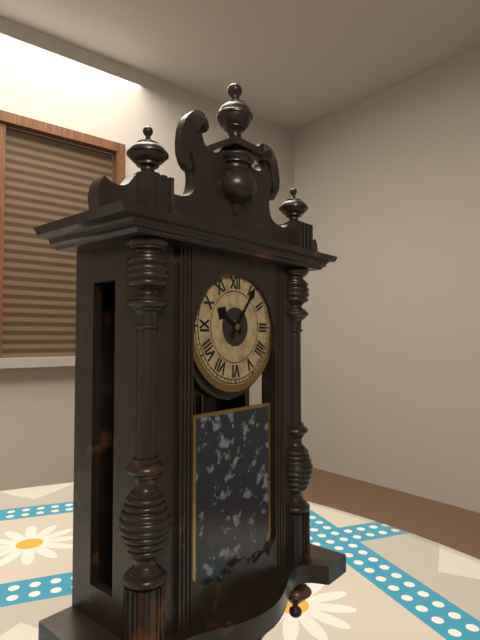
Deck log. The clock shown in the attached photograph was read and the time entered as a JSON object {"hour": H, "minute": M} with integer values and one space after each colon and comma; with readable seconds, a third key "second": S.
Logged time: {"hour": 10, "minute": 6}
